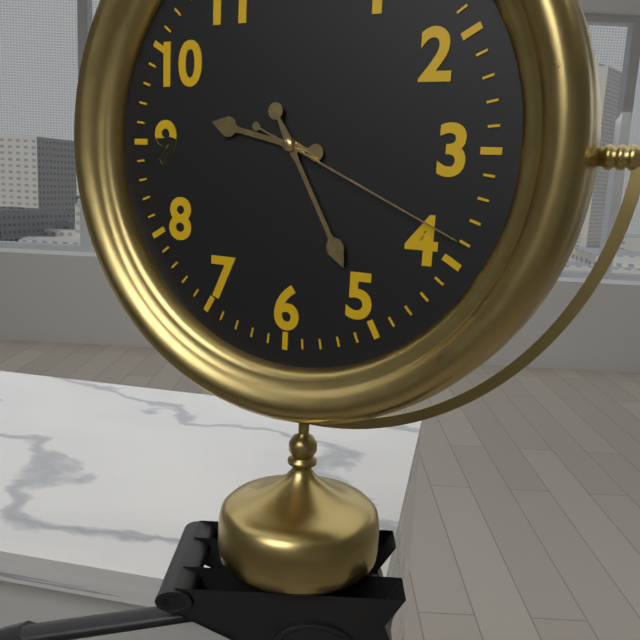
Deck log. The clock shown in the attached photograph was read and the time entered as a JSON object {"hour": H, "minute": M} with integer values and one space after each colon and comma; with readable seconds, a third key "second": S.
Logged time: {"hour": 9, "minute": 25, "second": 19}
